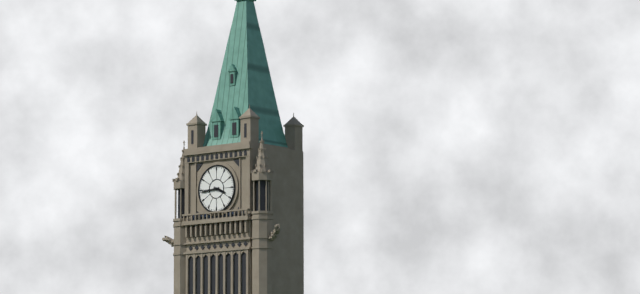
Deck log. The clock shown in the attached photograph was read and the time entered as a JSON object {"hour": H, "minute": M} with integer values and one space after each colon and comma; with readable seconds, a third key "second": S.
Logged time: {"hour": 3, "minute": 44}
